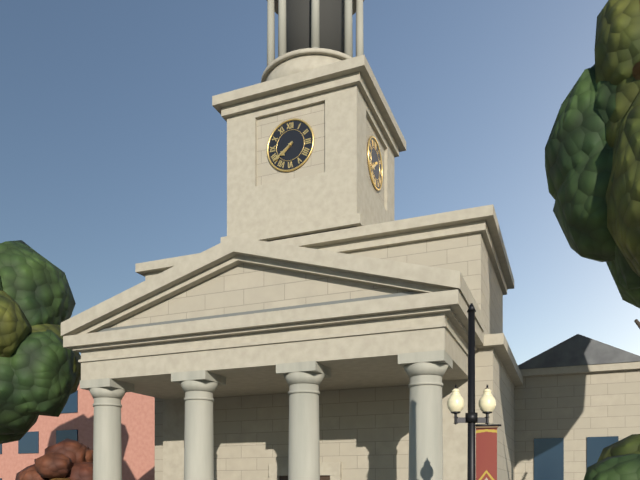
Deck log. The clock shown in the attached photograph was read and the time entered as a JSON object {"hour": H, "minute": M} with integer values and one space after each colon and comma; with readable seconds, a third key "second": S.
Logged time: {"hour": 7, "minute": 39}
